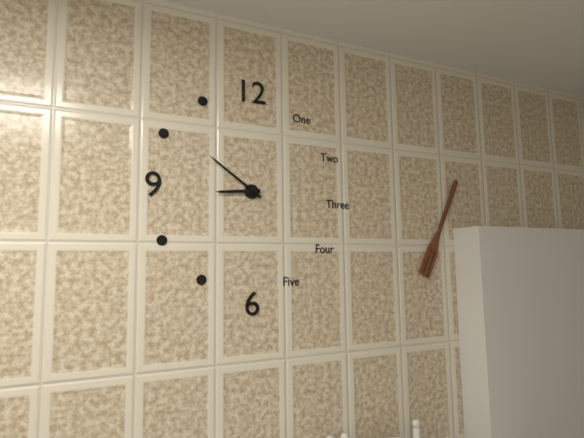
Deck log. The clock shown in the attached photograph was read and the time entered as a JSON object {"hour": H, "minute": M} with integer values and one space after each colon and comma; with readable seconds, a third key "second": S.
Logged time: {"hour": 8, "minute": 51}
